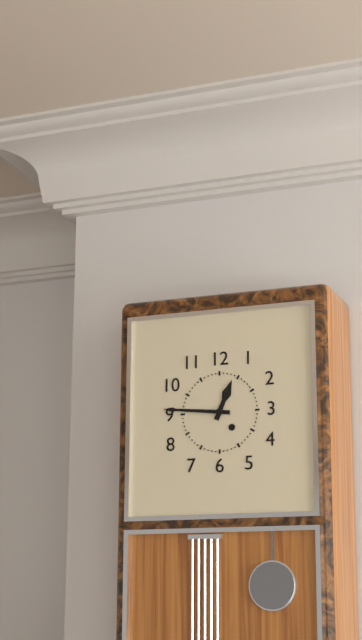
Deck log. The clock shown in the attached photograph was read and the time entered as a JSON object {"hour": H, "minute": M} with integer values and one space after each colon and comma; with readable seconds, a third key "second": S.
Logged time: {"hour": 12, "minute": 46}
